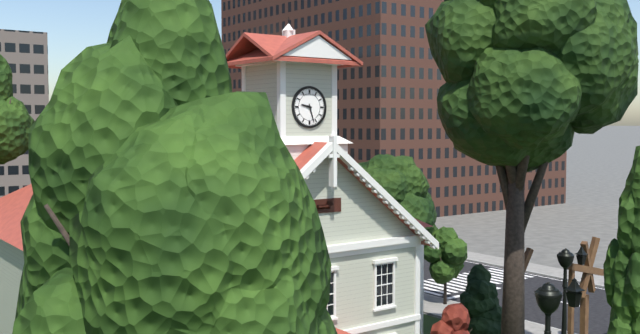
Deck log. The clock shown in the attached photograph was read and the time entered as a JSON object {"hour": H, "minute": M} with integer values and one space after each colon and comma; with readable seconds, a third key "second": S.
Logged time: {"hour": 9, "minute": 27}
